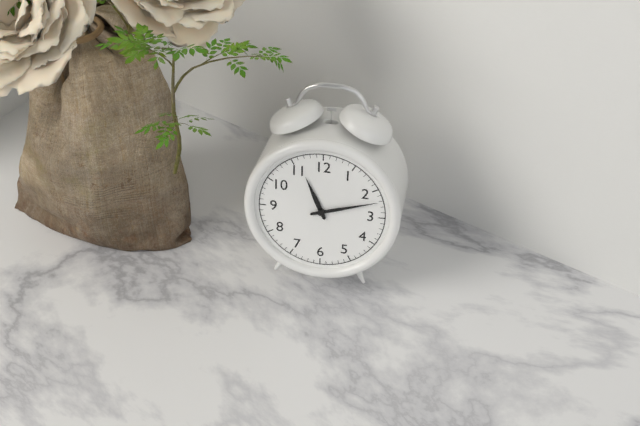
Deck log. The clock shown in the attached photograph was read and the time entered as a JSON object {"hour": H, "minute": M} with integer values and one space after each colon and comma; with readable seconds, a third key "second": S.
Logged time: {"hour": 11, "minute": 12}
